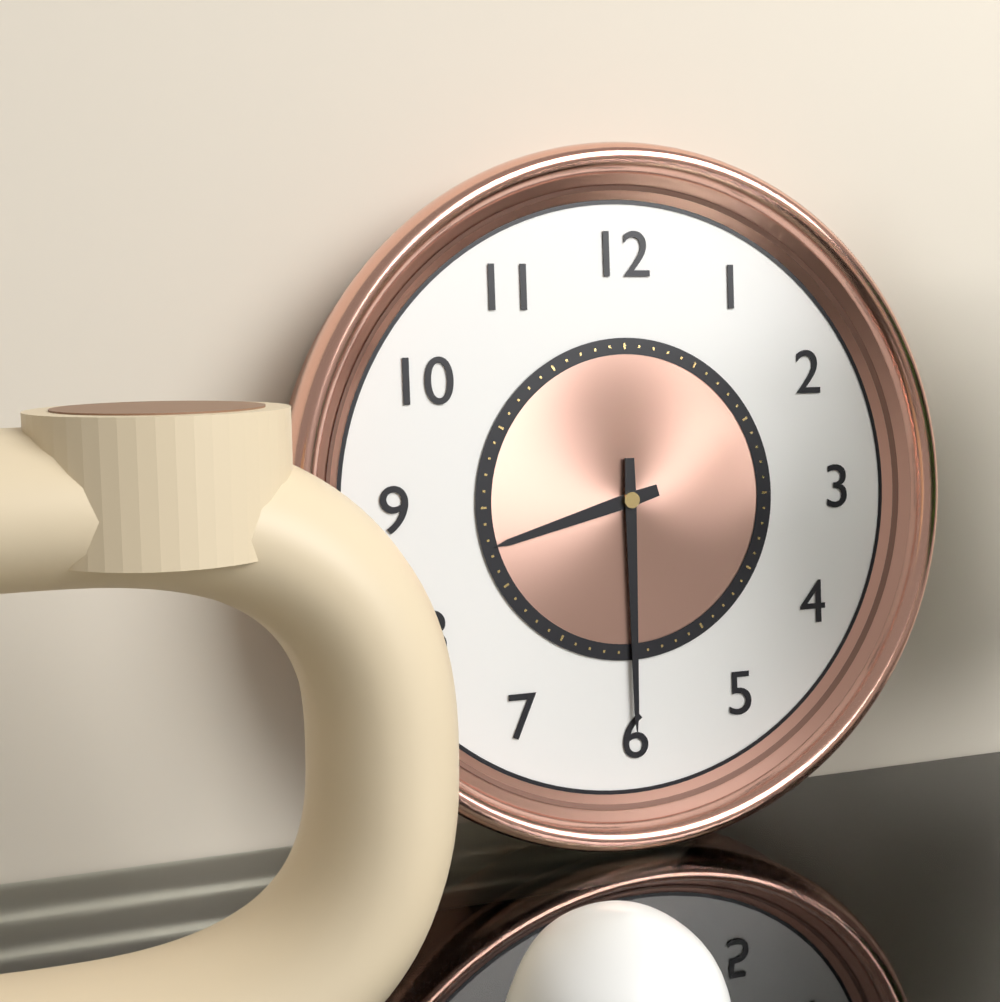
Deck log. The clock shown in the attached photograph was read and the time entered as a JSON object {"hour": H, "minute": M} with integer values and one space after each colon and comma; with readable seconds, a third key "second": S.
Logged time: {"hour": 8, "minute": 30}
